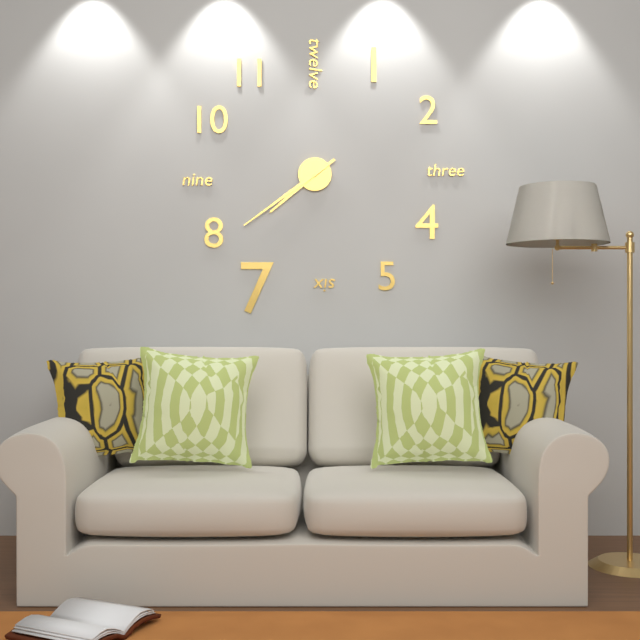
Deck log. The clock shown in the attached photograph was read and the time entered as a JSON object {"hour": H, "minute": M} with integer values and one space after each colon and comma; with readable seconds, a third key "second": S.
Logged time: {"hour": 7, "minute": 39}
